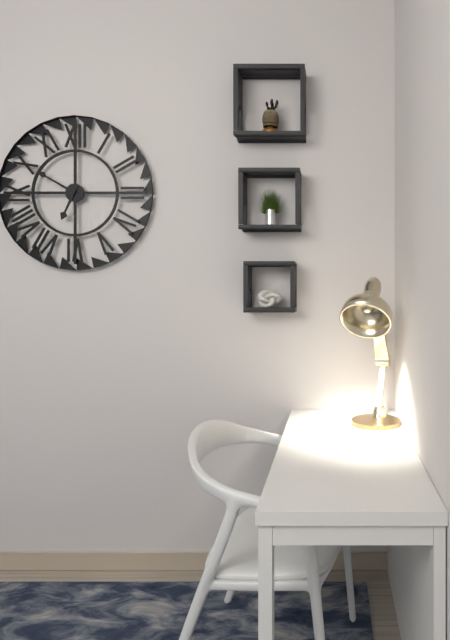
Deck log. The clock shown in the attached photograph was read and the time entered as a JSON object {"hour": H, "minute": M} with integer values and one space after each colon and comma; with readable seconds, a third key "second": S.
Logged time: {"hour": 6, "minute": 50}
